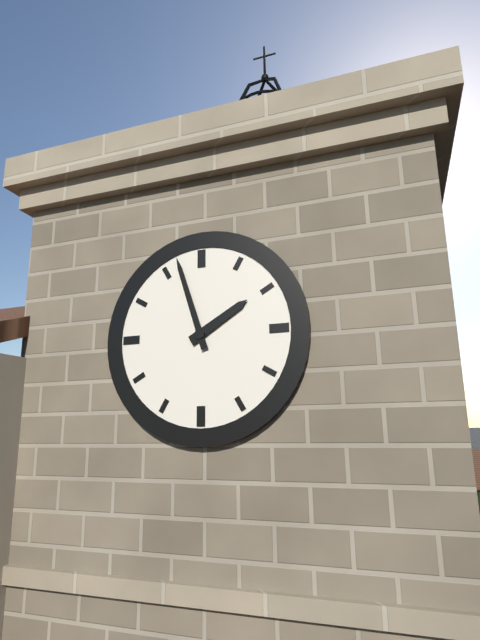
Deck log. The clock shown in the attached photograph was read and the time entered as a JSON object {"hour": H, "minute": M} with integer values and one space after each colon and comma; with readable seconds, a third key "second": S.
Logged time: {"hour": 1, "minute": 57}
